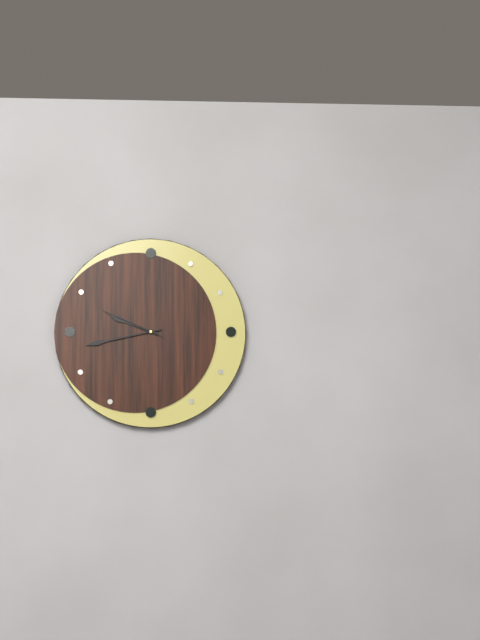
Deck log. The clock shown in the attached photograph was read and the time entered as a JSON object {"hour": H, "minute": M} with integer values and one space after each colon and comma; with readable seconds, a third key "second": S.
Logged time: {"hour": 9, "minute": 43, "second": 49}
